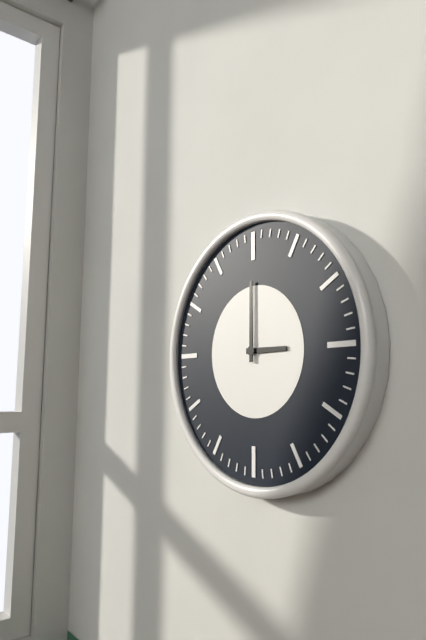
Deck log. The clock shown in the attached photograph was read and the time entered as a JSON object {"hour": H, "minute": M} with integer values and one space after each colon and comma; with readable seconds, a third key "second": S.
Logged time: {"hour": 3, "minute": 0}
